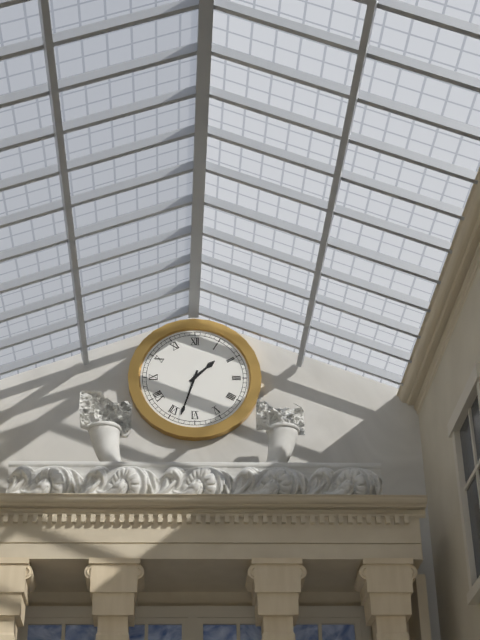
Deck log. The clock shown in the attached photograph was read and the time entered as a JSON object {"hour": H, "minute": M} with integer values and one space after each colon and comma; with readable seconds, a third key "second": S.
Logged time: {"hour": 1, "minute": 33}
